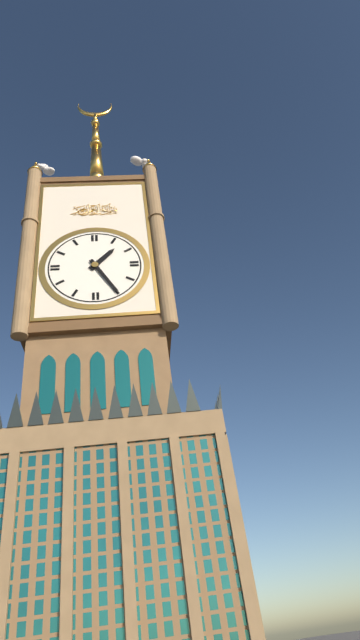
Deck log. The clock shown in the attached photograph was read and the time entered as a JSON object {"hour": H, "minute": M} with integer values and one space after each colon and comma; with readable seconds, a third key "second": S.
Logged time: {"hour": 1, "minute": 25}
